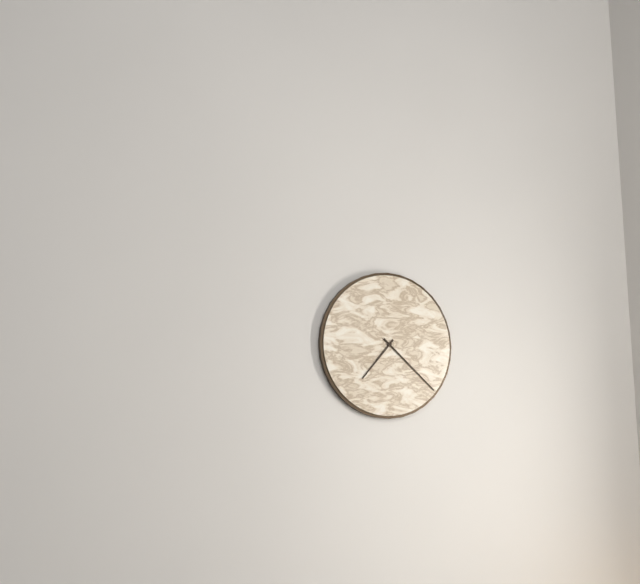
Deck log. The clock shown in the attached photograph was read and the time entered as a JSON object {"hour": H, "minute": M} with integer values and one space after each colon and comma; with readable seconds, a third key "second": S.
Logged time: {"hour": 7, "minute": 22}
